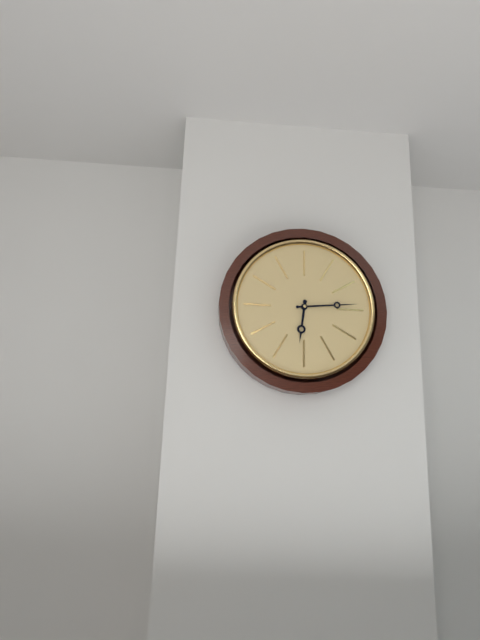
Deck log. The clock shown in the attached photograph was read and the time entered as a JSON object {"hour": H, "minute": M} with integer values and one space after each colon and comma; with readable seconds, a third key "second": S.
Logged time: {"hour": 6, "minute": 14}
